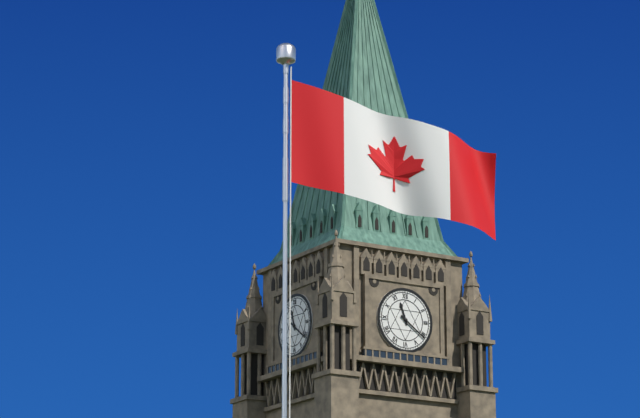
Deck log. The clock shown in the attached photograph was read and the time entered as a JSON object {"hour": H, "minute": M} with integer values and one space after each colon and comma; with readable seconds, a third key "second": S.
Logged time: {"hour": 11, "minute": 21}
